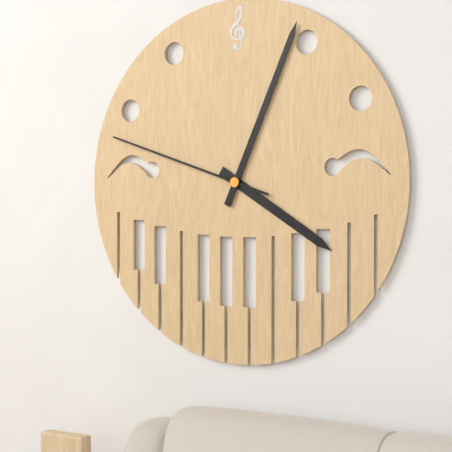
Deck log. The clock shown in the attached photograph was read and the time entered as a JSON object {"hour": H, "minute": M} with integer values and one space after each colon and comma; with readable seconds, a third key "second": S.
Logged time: {"hour": 4, "minute": 4, "second": 48}
